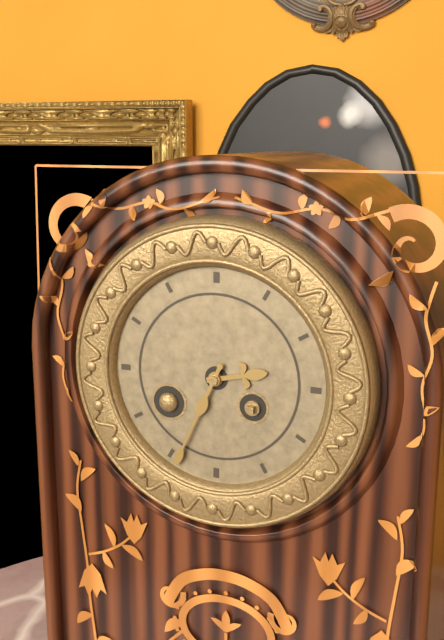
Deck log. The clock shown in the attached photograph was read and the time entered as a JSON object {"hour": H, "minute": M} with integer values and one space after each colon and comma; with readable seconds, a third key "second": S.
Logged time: {"hour": 2, "minute": 34}
